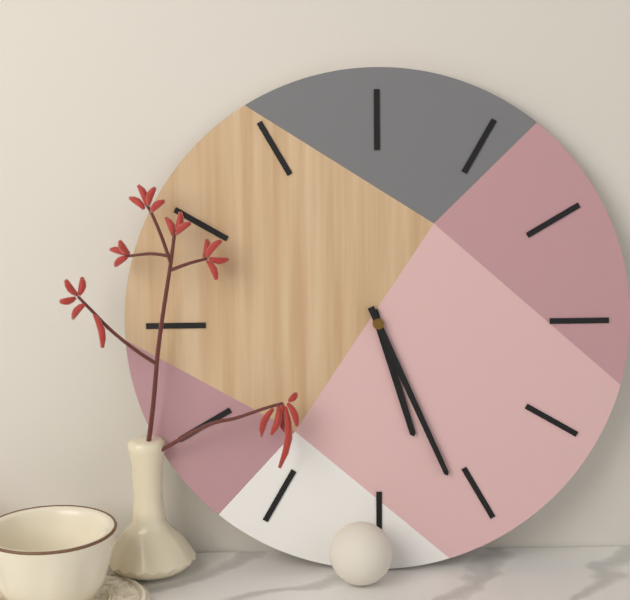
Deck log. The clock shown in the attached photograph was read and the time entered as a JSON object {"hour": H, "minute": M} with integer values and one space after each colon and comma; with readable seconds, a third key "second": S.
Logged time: {"hour": 5, "minute": 26}
